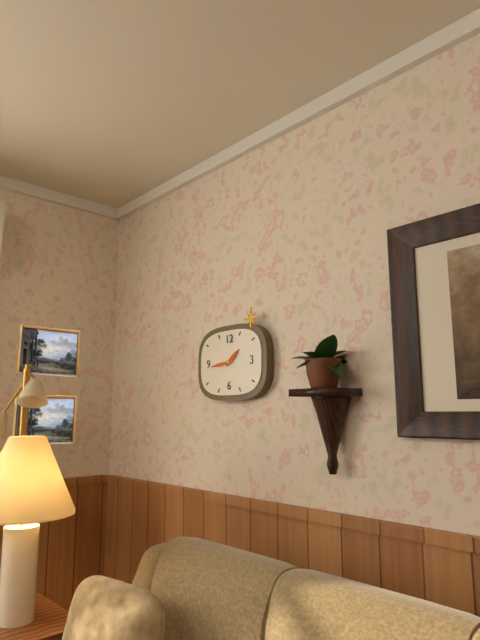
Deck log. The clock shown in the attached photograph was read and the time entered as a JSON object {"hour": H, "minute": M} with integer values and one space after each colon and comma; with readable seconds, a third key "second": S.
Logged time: {"hour": 1, "minute": 44}
